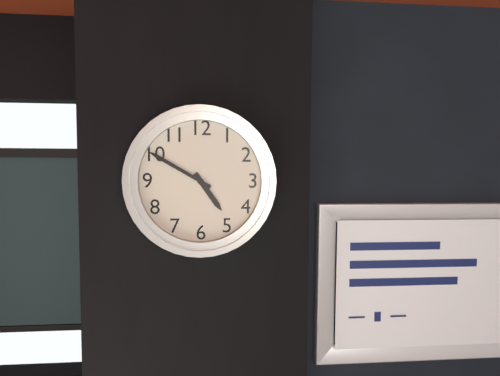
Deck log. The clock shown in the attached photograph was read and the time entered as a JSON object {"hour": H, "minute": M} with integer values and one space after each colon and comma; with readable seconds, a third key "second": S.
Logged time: {"hour": 4, "minute": 50}
